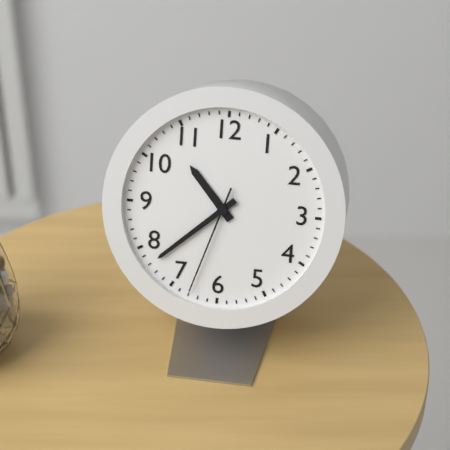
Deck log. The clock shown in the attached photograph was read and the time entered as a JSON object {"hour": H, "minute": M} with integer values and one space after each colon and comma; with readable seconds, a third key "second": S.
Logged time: {"hour": 10, "minute": 38, "second": 33}
